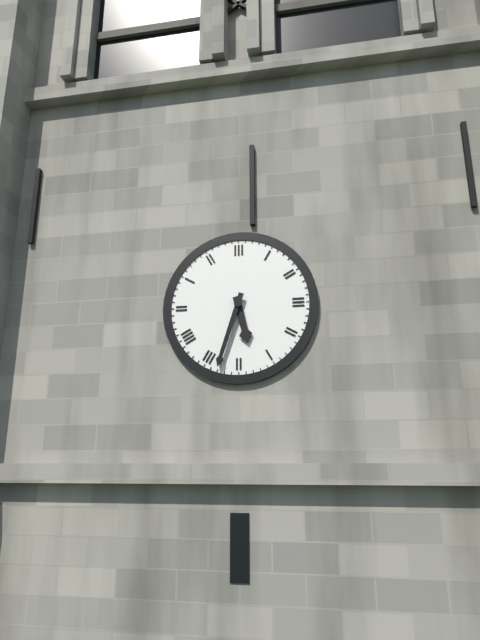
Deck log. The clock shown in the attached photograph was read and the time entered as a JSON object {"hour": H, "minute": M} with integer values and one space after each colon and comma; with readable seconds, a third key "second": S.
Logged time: {"hour": 5, "minute": 33}
